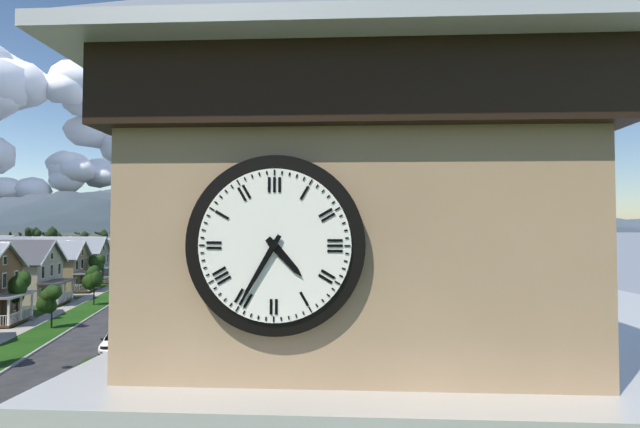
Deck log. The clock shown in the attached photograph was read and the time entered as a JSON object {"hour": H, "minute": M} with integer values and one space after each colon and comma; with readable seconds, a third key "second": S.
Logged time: {"hour": 4, "minute": 35}
